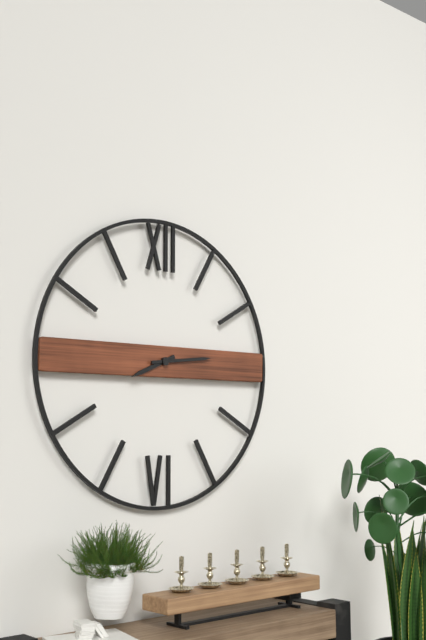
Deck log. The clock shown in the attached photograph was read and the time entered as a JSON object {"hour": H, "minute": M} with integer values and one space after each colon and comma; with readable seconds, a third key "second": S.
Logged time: {"hour": 8, "minute": 14}
